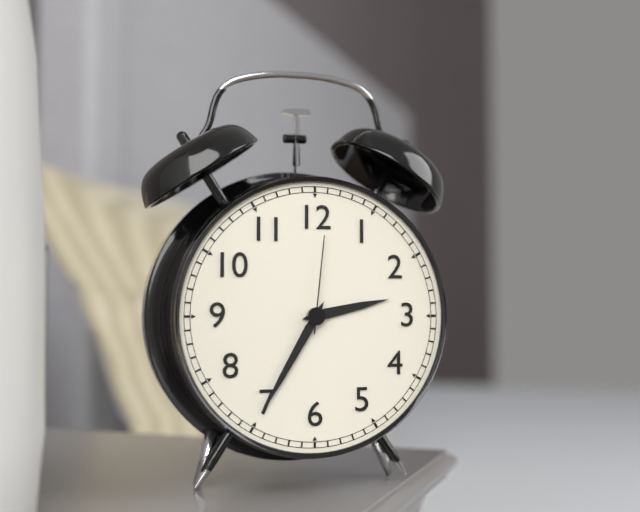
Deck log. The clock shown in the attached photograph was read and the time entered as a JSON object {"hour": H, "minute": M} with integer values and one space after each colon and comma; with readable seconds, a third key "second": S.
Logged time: {"hour": 2, "minute": 35, "second": 1}
